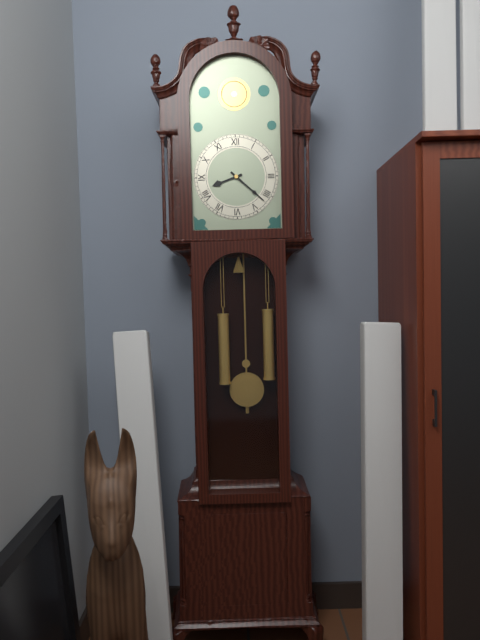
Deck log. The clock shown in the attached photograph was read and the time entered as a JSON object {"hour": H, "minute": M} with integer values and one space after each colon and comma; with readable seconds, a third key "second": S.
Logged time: {"hour": 8, "minute": 22}
